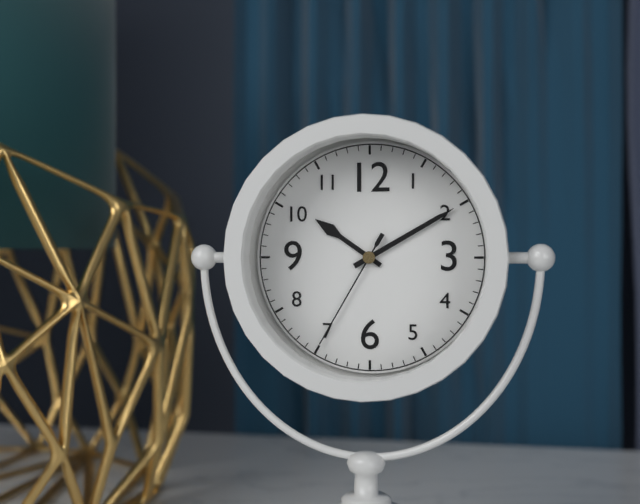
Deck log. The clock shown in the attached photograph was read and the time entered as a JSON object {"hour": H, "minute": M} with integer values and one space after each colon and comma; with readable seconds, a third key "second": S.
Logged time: {"hour": 10, "minute": 10, "second": 35}
